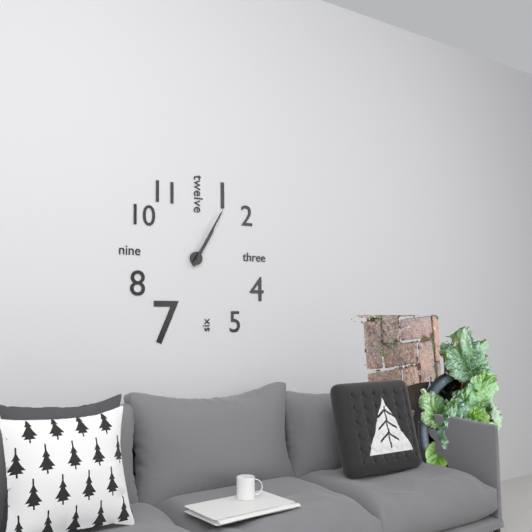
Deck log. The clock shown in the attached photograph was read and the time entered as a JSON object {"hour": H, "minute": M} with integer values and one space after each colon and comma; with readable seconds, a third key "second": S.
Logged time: {"hour": 1, "minute": 5}
